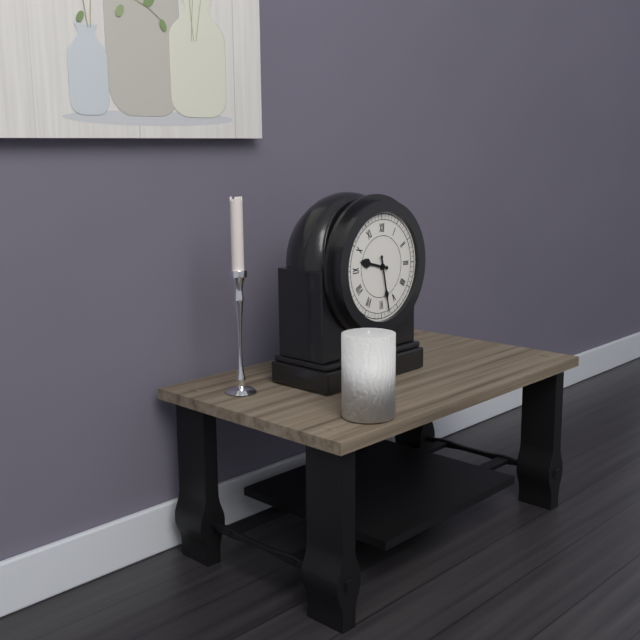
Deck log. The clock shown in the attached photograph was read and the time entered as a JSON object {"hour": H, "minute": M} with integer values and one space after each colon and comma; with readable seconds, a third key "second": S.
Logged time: {"hour": 9, "minute": 28}
